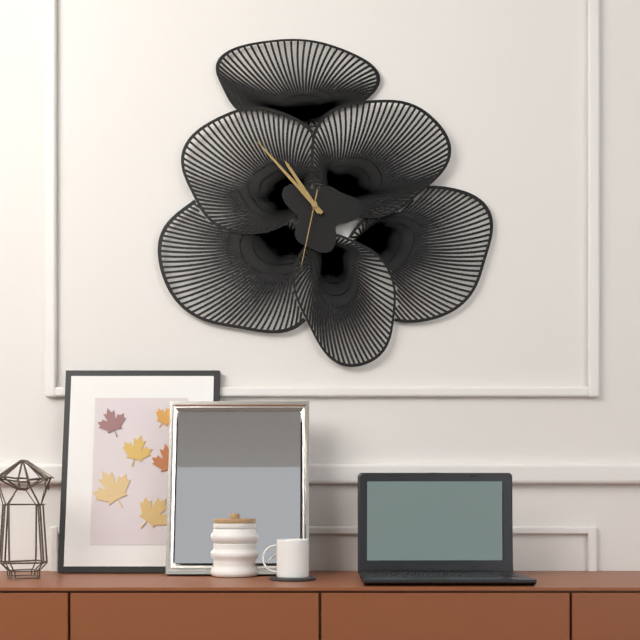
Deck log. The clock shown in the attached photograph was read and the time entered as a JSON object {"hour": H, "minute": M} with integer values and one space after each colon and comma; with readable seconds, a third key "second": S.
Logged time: {"hour": 10, "minute": 53, "second": 32}
